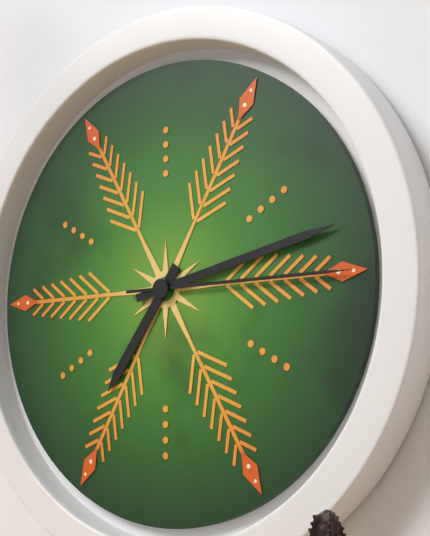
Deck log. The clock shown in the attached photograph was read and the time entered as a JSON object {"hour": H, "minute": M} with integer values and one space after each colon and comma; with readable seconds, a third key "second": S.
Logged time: {"hour": 7, "minute": 13, "second": 15}
